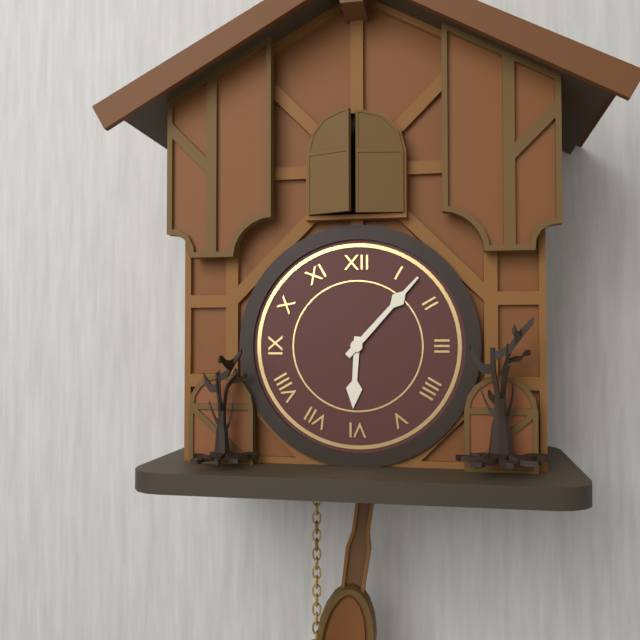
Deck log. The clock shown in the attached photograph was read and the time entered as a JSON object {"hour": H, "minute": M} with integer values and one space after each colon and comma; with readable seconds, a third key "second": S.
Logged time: {"hour": 6, "minute": 7}
